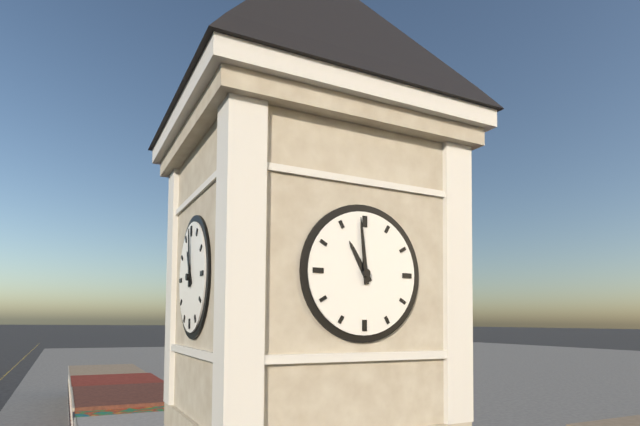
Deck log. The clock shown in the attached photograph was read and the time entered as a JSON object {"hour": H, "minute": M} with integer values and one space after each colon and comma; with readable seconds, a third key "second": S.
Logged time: {"hour": 10, "minute": 59}
